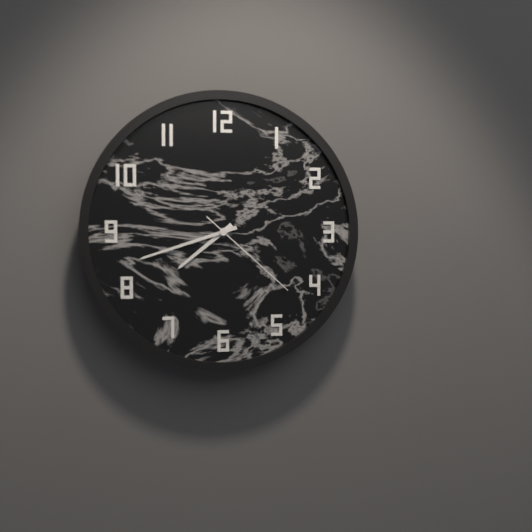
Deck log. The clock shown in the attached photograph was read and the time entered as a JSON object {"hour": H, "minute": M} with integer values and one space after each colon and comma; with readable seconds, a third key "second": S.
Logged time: {"hour": 7, "minute": 42, "second": 22}
